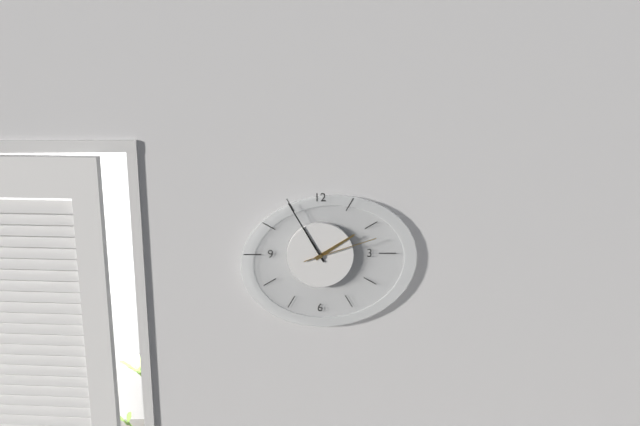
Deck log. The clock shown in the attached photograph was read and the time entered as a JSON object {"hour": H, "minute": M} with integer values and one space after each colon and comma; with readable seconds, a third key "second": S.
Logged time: {"hour": 1, "minute": 55, "second": 12}
